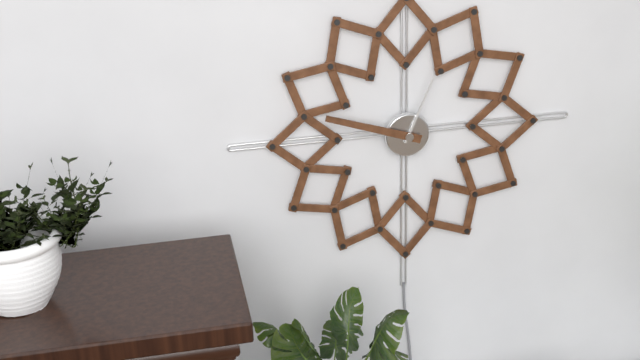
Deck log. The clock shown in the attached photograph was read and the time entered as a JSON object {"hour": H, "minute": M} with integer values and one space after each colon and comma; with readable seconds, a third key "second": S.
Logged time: {"hour": 12, "minute": 48}
